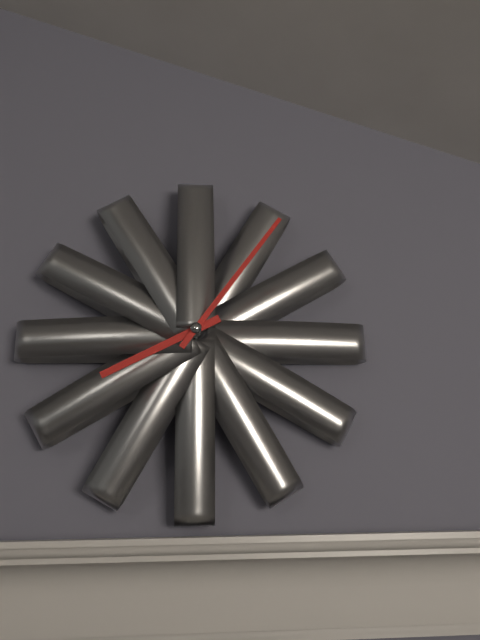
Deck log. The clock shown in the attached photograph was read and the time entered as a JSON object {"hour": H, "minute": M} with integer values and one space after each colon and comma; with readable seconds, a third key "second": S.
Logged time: {"hour": 8, "minute": 6}
